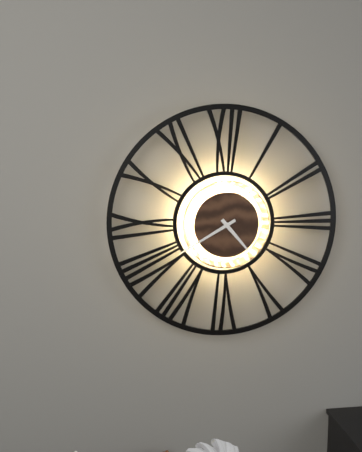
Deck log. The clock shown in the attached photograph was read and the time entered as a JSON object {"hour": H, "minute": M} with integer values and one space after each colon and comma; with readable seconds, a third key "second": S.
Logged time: {"hour": 4, "minute": 40}
